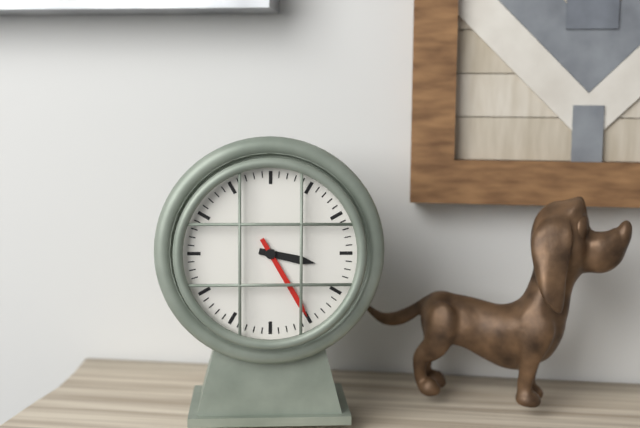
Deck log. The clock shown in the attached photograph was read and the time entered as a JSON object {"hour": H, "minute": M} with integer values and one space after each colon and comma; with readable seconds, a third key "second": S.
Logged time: {"hour": 3, "minute": 25}
